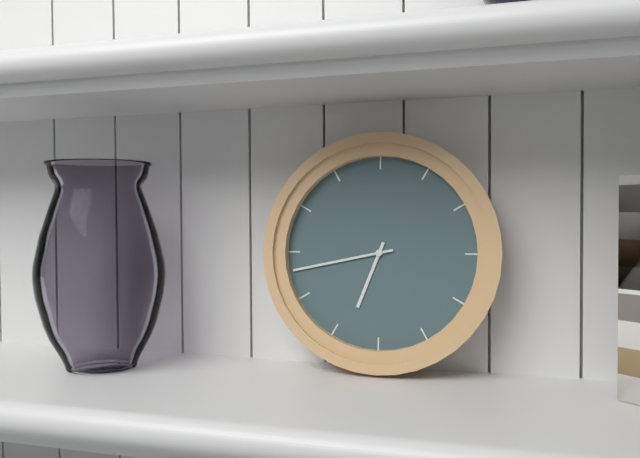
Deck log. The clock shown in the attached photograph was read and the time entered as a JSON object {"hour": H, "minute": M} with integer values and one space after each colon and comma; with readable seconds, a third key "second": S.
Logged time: {"hour": 6, "minute": 43}
